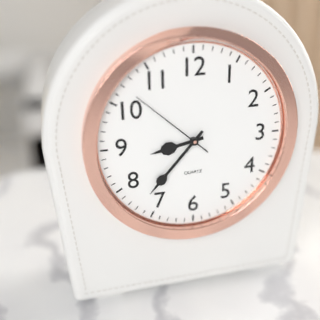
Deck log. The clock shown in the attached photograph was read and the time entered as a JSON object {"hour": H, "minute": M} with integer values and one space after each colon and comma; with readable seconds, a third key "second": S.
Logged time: {"hour": 8, "minute": 37, "second": 52}
